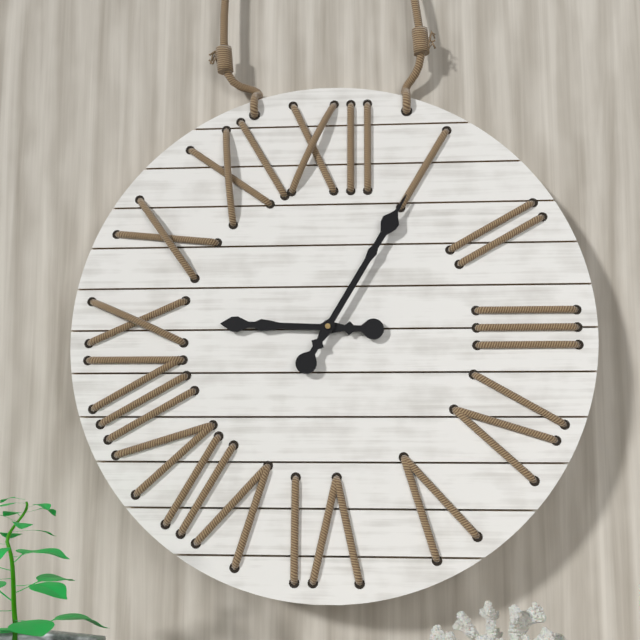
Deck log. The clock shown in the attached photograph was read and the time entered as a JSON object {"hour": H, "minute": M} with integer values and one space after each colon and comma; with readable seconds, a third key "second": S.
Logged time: {"hour": 9, "minute": 5}
